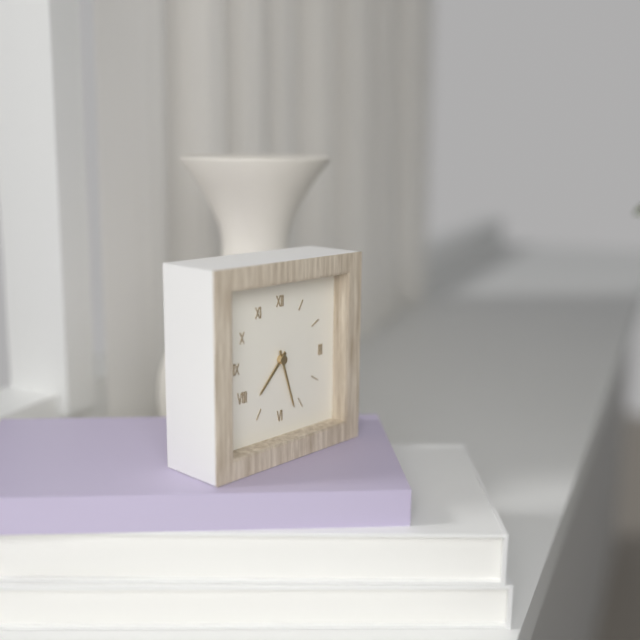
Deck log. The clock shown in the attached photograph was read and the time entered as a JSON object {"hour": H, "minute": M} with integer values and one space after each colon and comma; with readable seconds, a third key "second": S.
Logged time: {"hour": 7, "minute": 27}
